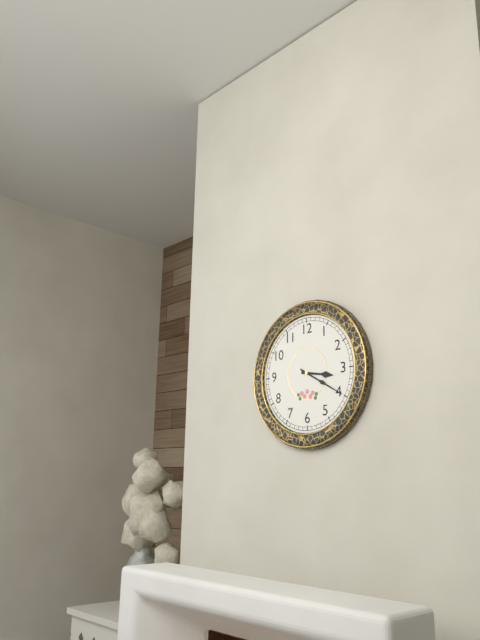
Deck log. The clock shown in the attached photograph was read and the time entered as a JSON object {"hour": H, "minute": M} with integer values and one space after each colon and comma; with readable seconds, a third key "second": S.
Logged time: {"hour": 3, "minute": 20}
